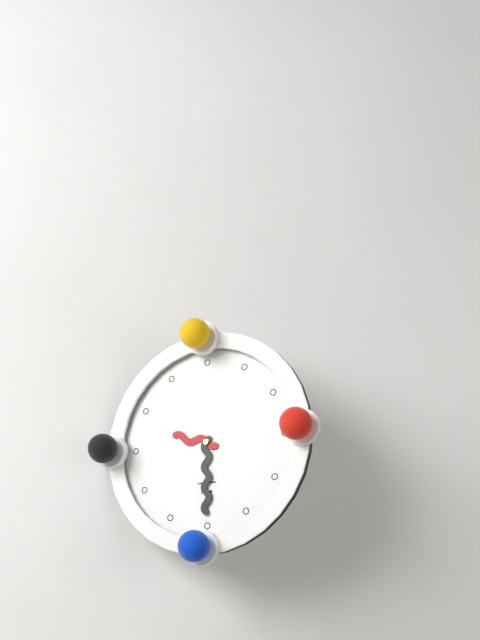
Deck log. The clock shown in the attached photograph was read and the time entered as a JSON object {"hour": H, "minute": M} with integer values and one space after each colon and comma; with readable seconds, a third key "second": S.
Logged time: {"hour": 9, "minute": 30}
